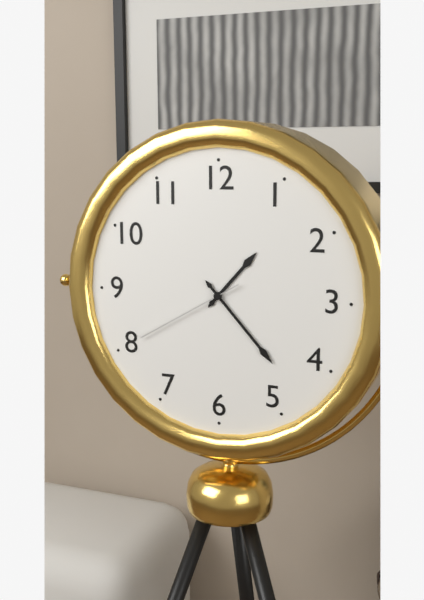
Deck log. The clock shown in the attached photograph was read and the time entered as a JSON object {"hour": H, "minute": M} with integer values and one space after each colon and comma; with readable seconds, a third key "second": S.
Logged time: {"hour": 1, "minute": 23, "second": 40}
